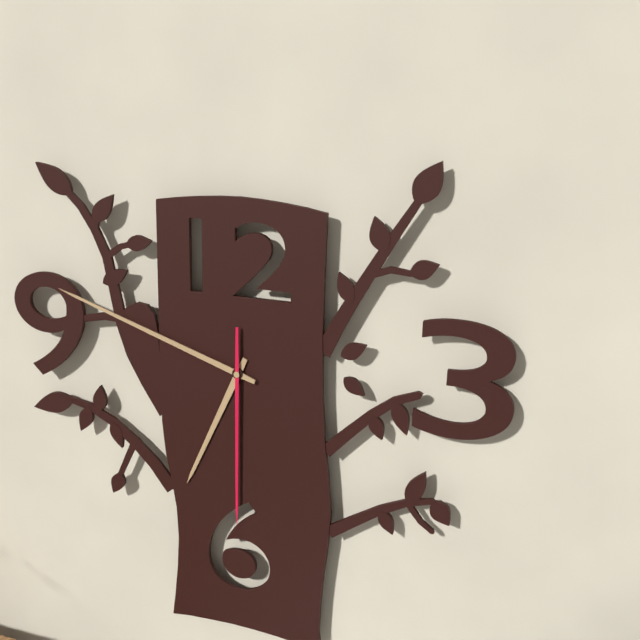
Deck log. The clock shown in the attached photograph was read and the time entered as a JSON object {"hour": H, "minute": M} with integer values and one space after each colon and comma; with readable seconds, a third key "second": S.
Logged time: {"hour": 6, "minute": 48, "second": 30}
